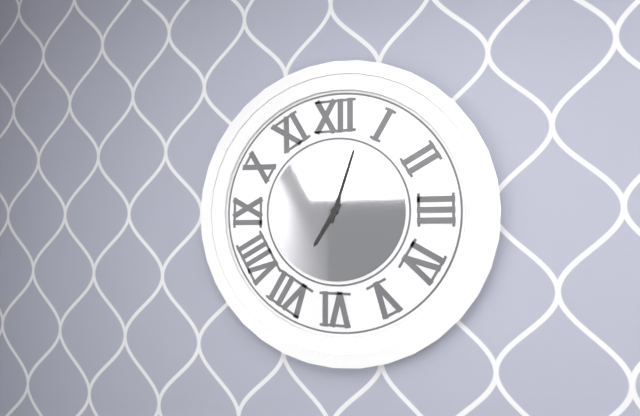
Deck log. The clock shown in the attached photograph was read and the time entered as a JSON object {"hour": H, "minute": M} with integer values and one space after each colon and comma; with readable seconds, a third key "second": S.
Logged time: {"hour": 7, "minute": 3}
